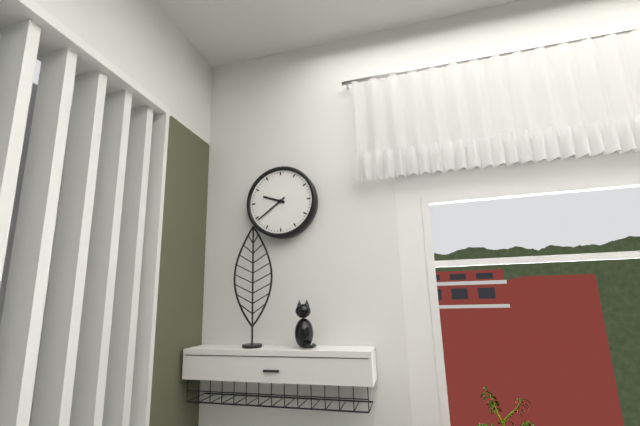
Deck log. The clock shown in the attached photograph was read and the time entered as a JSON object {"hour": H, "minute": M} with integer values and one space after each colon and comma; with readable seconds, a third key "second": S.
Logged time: {"hour": 9, "minute": 39}
